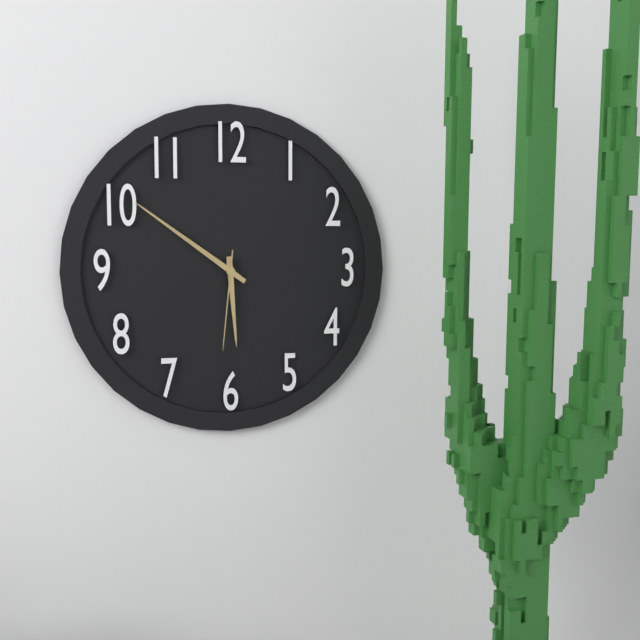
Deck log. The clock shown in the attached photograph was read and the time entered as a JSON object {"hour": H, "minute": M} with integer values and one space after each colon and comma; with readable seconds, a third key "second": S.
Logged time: {"hour": 5, "minute": 51, "second": 31}
